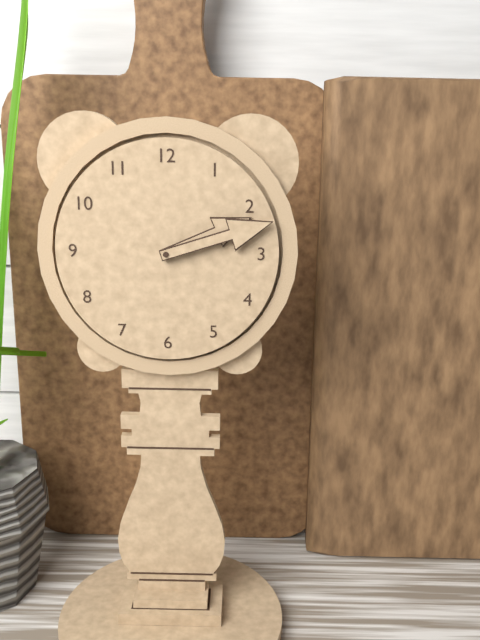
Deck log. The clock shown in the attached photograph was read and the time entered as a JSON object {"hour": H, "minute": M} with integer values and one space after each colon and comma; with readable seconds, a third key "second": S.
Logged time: {"hour": 2, "minute": 12}
